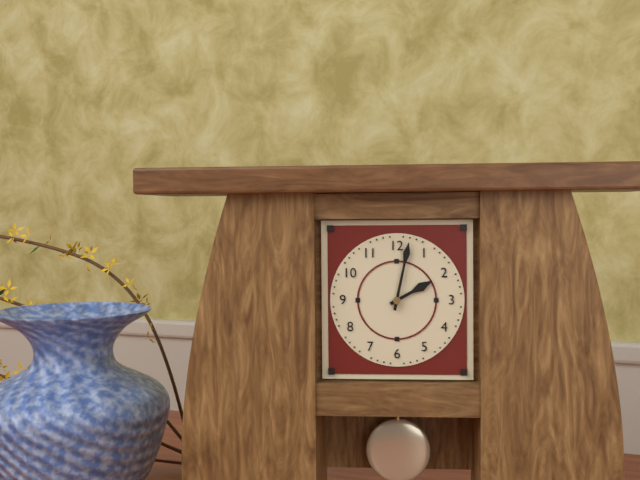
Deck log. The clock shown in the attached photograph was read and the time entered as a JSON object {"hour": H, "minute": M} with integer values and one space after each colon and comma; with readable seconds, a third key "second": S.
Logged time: {"hour": 2, "minute": 2}
